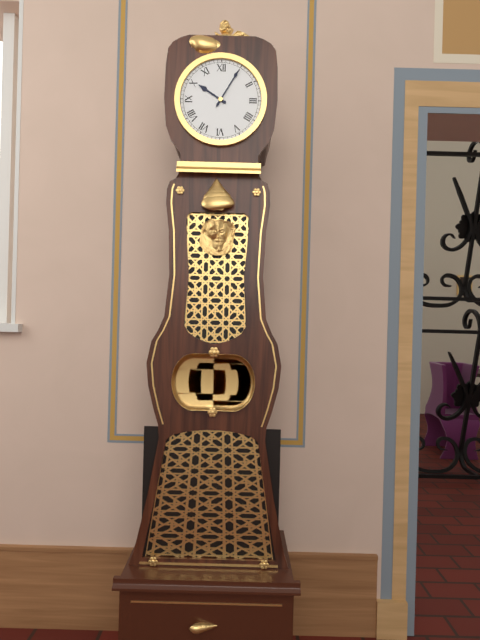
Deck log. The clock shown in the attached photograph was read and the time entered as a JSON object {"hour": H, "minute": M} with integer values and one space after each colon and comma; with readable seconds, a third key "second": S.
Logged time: {"hour": 10, "minute": 5}
